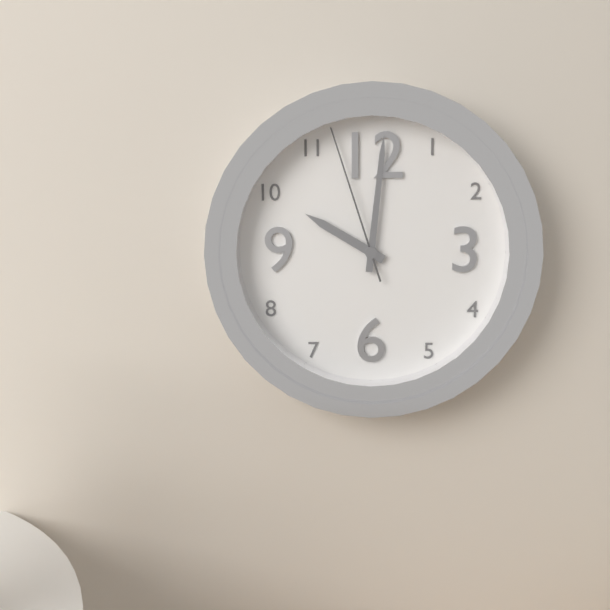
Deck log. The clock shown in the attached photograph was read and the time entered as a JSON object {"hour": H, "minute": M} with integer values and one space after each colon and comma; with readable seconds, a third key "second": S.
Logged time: {"hour": 10, "minute": 1, "second": 57}
